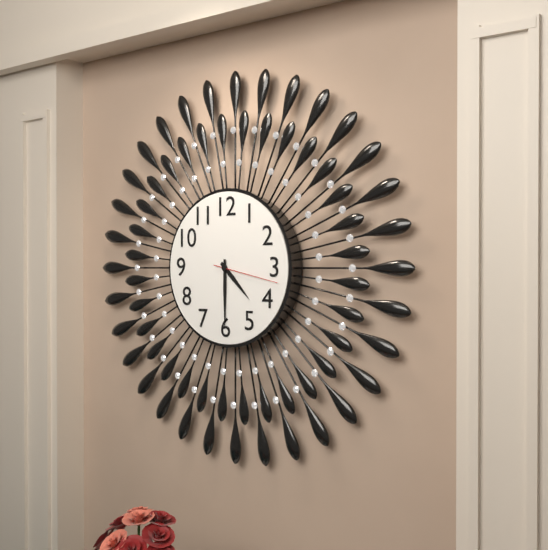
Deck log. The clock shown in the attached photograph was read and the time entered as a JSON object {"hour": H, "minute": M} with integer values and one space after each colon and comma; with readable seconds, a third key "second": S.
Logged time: {"hour": 4, "minute": 30, "second": 17}
